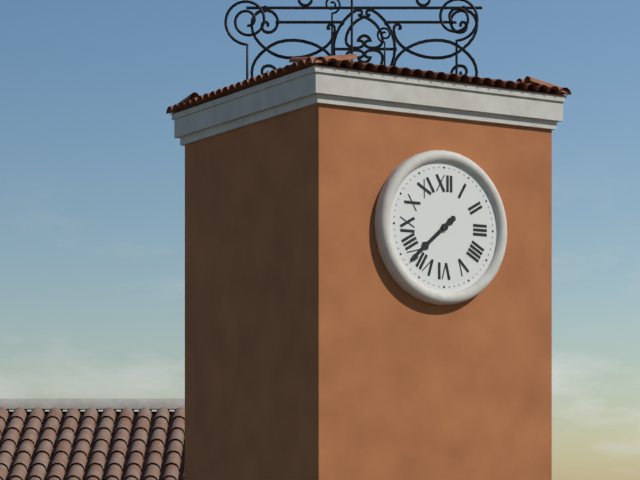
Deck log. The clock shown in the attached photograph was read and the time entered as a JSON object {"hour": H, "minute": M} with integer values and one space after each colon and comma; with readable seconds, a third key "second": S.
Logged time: {"hour": 7, "minute": 38}
